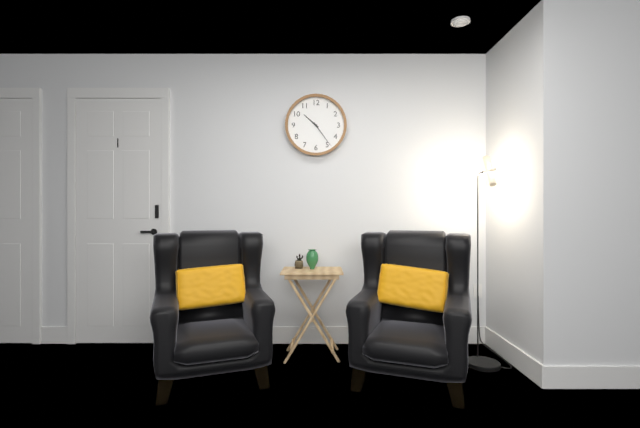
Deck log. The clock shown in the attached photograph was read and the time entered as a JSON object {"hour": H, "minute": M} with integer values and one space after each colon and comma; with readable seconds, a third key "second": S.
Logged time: {"hour": 10, "minute": 24}
